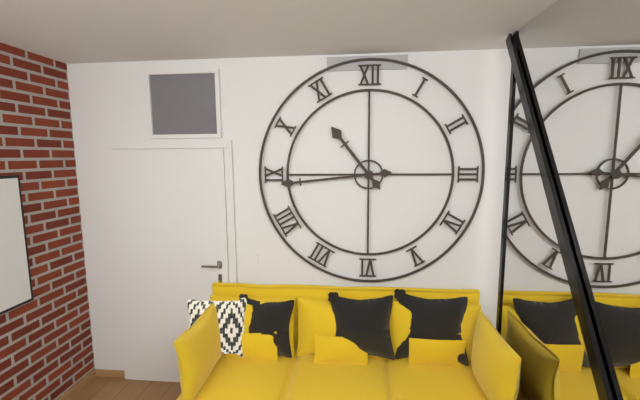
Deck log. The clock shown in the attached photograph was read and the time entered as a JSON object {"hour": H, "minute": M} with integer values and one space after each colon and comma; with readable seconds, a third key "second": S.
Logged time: {"hour": 10, "minute": 44}
